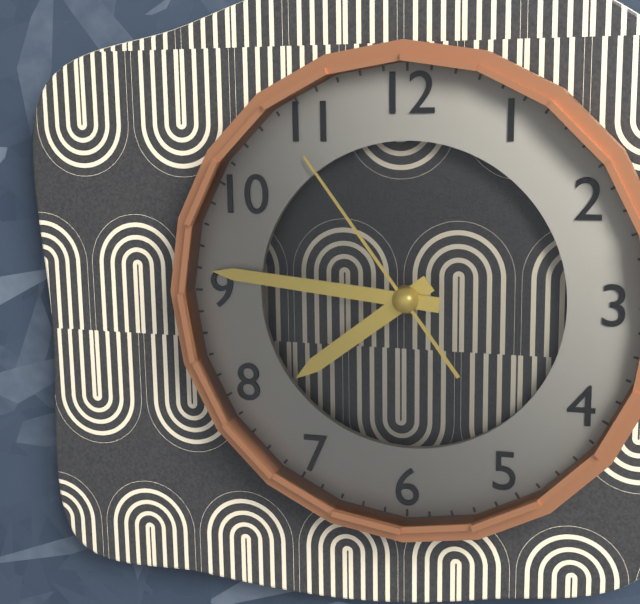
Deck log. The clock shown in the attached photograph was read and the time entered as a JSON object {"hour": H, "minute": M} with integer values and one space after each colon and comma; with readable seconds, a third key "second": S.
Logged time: {"hour": 7, "minute": 46, "second": 54}
